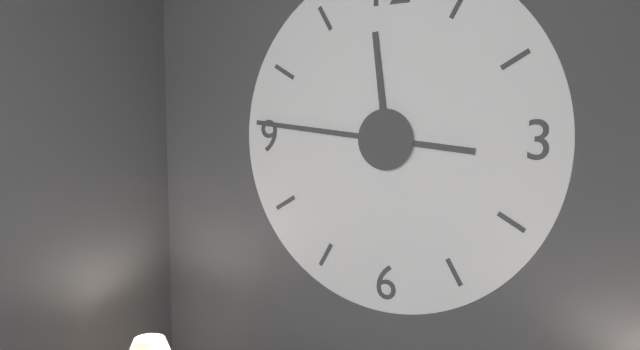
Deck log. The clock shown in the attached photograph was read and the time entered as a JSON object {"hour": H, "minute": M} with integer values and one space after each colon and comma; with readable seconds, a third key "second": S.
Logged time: {"hour": 11, "minute": 46}
